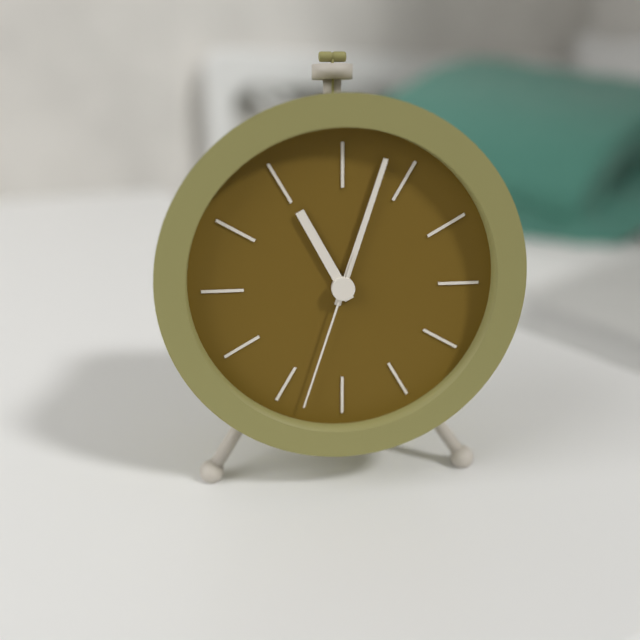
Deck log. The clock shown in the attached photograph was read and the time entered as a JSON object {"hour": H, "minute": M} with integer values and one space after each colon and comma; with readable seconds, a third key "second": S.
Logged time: {"hour": 11, "minute": 3, "second": 33}
